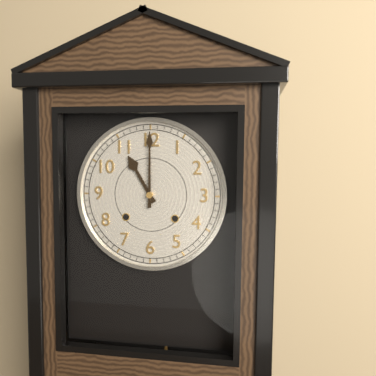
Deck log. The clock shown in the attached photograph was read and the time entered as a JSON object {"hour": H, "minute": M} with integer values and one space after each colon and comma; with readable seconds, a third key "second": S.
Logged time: {"hour": 11, "minute": 0}
